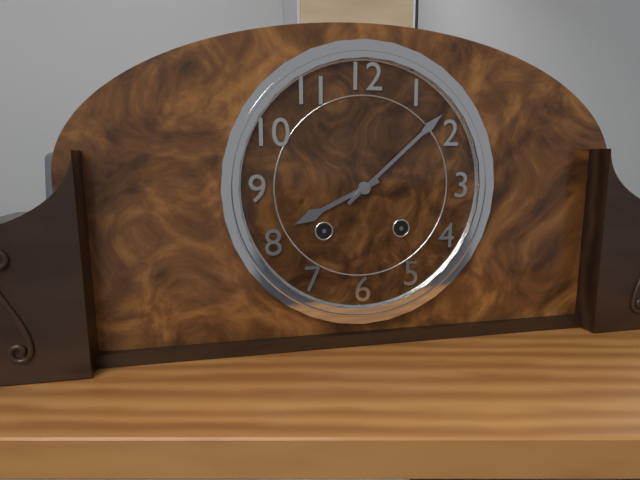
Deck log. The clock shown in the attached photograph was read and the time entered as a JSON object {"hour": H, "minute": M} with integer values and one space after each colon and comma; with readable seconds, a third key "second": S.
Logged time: {"hour": 8, "minute": 8}
